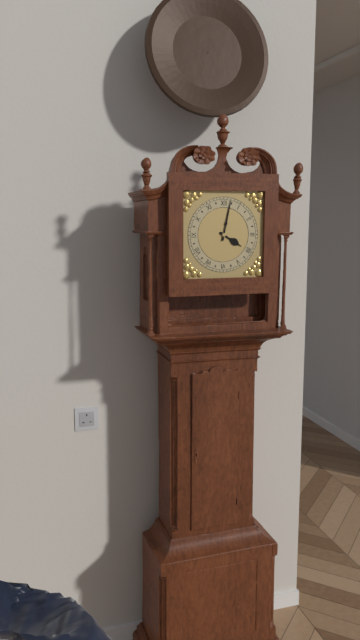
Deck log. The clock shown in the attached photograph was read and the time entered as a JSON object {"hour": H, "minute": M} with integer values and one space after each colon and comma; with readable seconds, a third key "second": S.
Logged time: {"hour": 4, "minute": 2}
